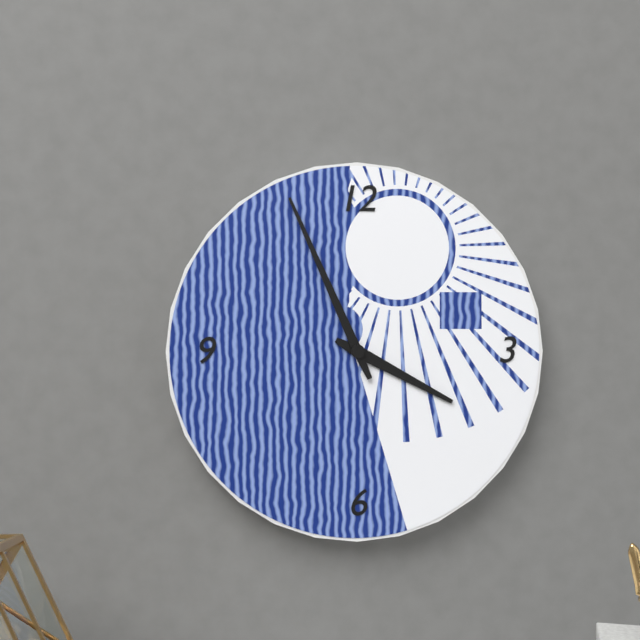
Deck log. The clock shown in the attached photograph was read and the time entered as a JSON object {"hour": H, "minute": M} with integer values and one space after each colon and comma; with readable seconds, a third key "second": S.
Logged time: {"hour": 3, "minute": 56}
